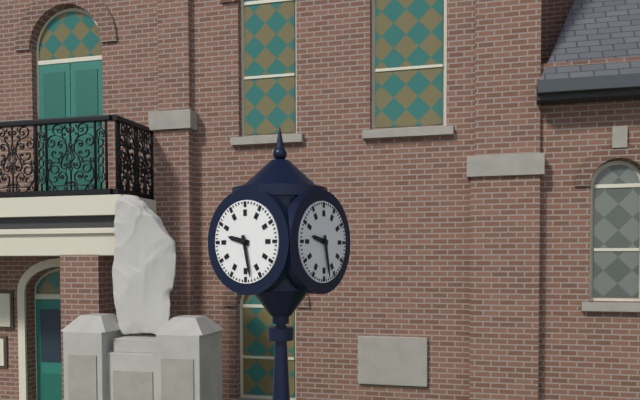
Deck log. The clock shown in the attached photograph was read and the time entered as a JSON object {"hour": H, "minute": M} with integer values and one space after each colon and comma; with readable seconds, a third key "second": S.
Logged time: {"hour": 9, "minute": 28}
